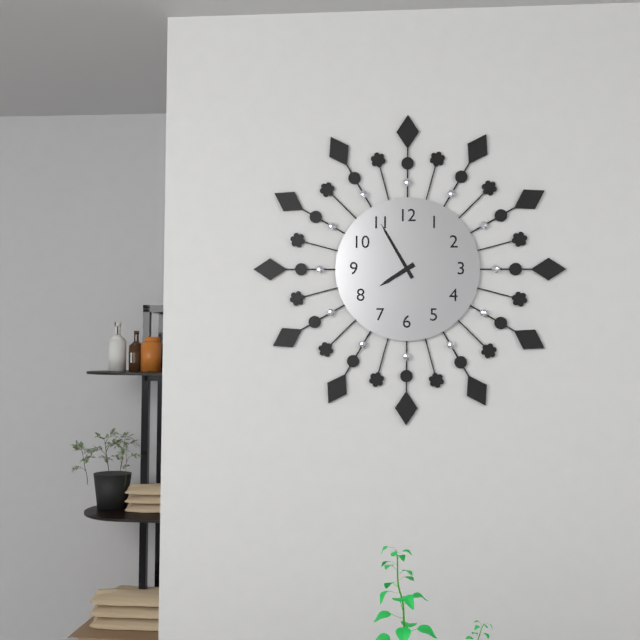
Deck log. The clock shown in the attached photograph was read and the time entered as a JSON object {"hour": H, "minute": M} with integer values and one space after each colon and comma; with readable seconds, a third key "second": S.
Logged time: {"hour": 7, "minute": 55}
